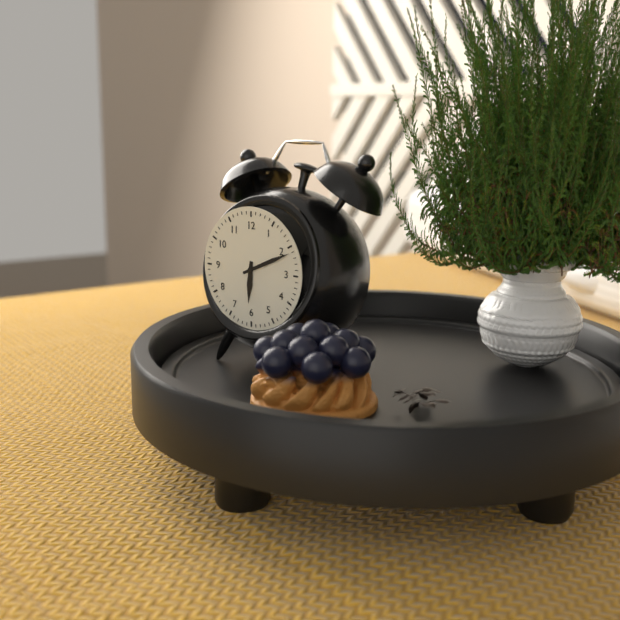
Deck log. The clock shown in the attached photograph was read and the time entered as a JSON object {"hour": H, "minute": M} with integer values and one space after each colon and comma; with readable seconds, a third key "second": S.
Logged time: {"hour": 6, "minute": 11}
